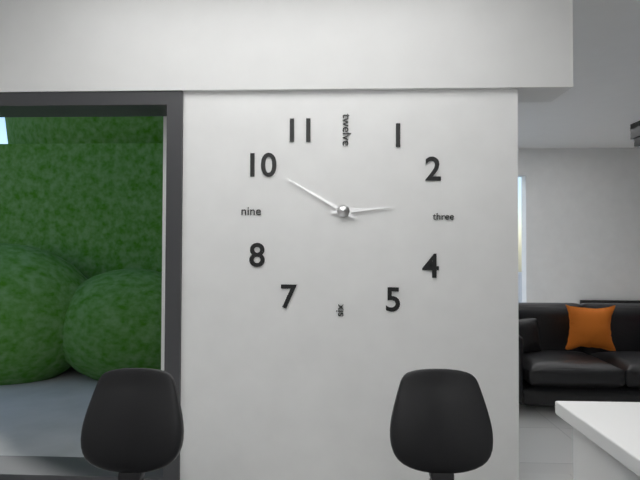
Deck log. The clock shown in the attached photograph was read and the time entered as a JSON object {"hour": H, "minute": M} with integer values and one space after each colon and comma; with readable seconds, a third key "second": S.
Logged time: {"hour": 2, "minute": 50}
